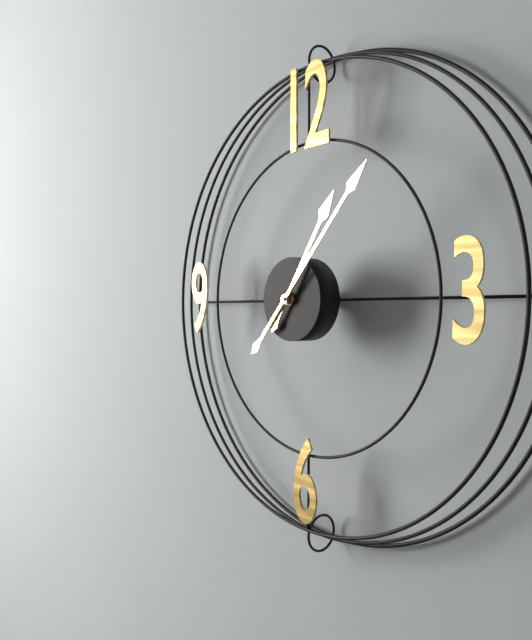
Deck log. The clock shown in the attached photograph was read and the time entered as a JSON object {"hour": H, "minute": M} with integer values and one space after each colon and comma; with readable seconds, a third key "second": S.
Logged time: {"hour": 1, "minute": 7}
